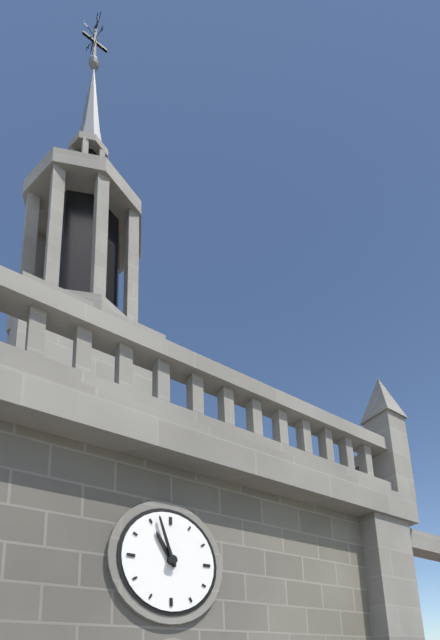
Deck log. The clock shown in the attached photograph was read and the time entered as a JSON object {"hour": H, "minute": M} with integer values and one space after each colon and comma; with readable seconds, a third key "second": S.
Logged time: {"hour": 10, "minute": 57}
